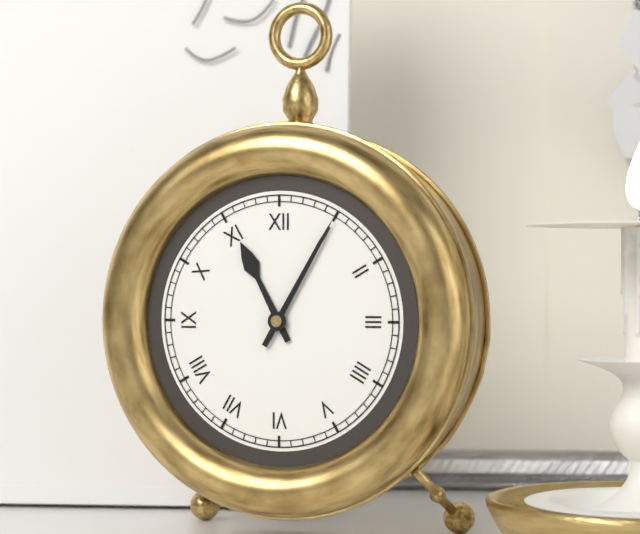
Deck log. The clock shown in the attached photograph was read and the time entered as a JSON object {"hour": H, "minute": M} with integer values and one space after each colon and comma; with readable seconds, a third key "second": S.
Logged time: {"hour": 11, "minute": 5}
